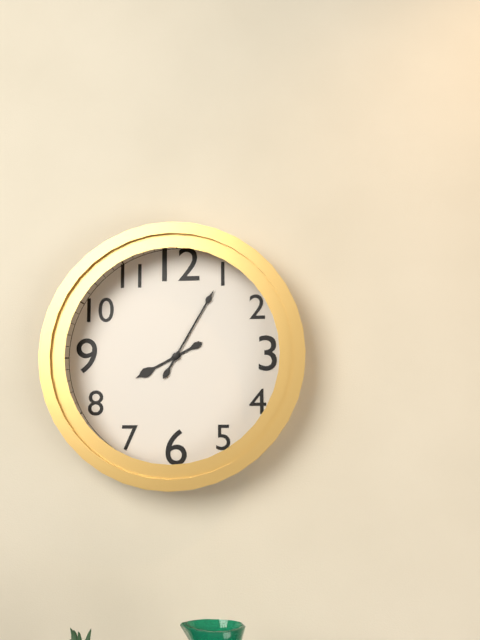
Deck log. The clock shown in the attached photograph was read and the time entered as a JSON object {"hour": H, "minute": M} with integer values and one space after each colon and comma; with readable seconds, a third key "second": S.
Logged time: {"hour": 8, "minute": 5}
